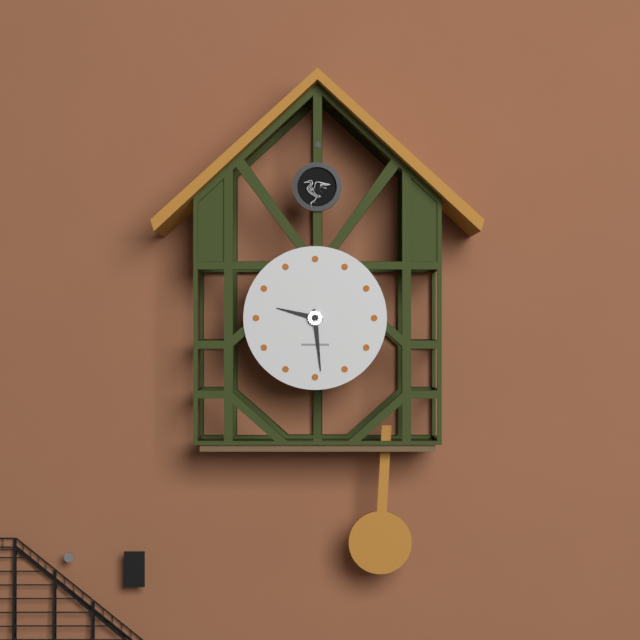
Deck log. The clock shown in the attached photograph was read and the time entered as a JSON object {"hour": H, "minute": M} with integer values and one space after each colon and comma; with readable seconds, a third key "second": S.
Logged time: {"hour": 9, "minute": 29}
